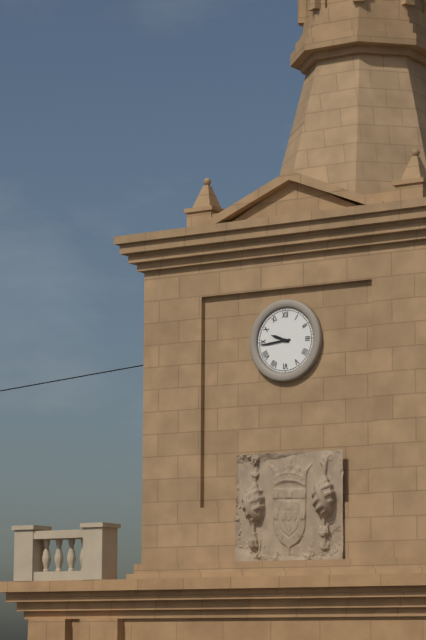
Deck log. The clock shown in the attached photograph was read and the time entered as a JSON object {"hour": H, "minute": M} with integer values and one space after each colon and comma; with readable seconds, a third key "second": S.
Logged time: {"hour": 9, "minute": 44}
